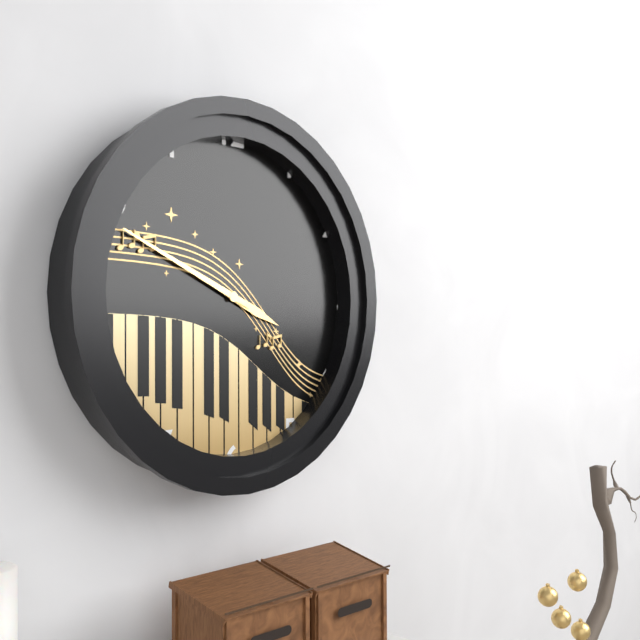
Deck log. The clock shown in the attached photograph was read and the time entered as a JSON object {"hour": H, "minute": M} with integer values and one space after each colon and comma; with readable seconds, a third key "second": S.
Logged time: {"hour": 3, "minute": 49}
